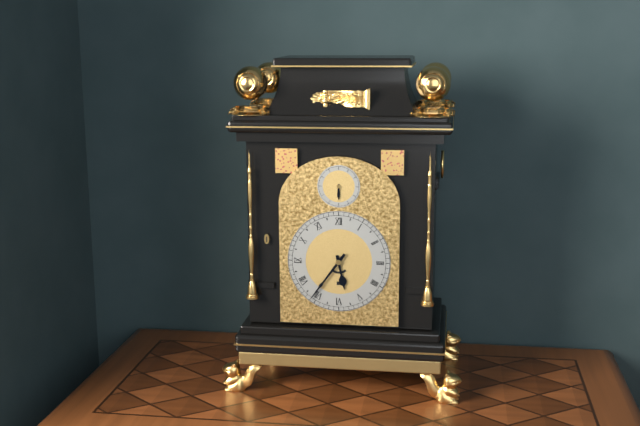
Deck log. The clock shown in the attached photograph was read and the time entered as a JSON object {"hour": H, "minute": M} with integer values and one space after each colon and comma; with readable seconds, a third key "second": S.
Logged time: {"hour": 5, "minute": 36}
